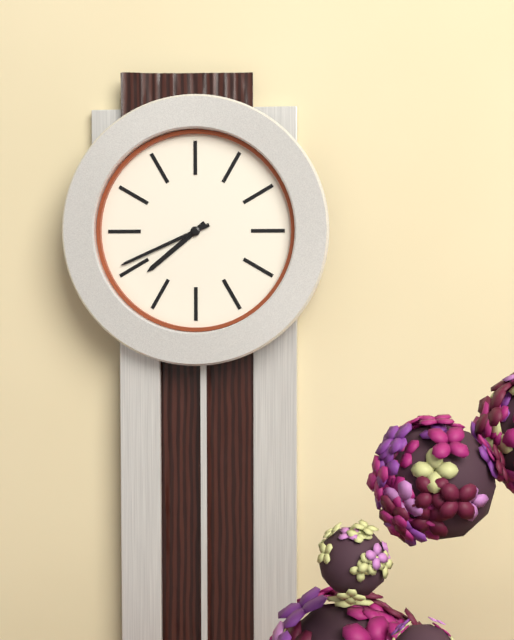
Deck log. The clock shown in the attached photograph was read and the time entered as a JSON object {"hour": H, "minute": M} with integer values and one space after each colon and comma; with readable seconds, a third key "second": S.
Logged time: {"hour": 7, "minute": 41}
